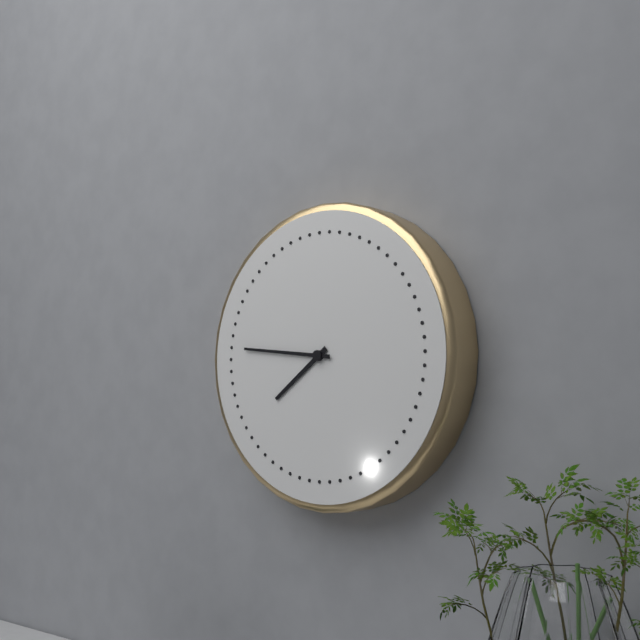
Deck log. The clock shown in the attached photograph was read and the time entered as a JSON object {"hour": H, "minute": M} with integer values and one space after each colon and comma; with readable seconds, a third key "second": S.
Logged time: {"hour": 7, "minute": 46}
